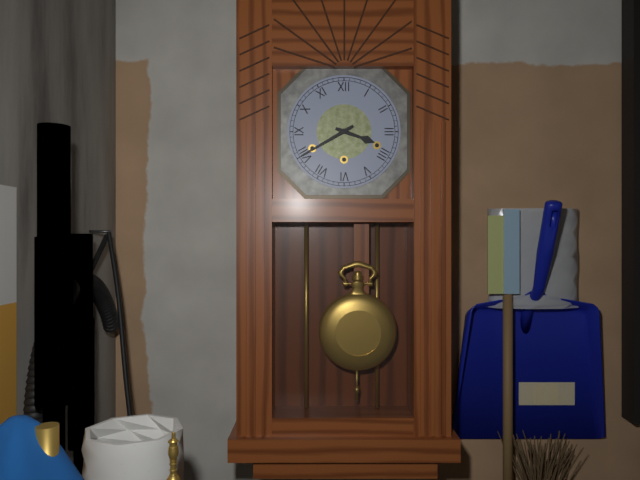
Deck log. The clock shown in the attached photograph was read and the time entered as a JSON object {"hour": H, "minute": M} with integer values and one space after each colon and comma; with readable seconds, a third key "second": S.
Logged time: {"hour": 3, "minute": 40}
